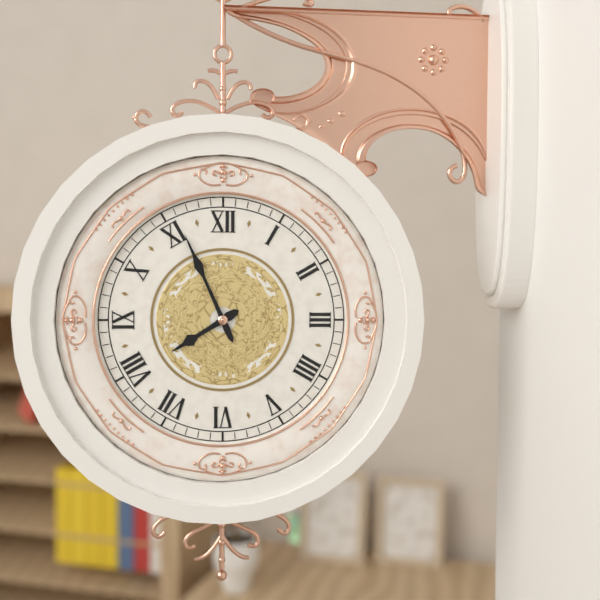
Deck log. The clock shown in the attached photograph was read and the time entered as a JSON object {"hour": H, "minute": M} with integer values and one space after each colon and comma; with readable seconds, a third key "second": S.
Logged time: {"hour": 7, "minute": 56}
